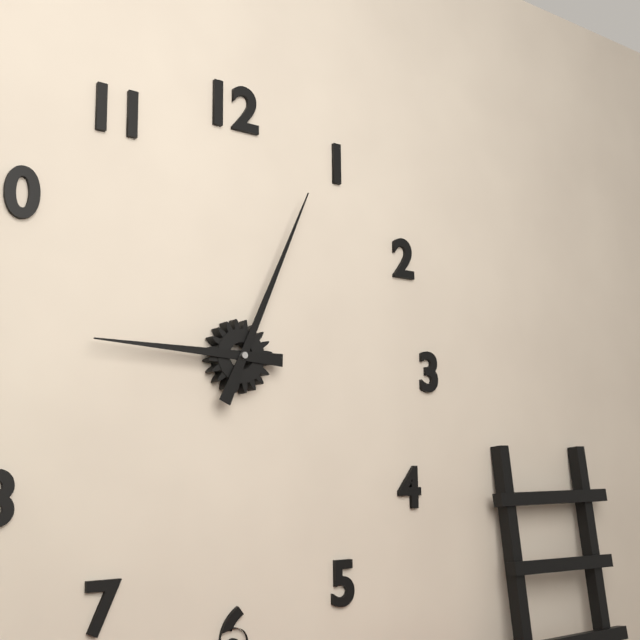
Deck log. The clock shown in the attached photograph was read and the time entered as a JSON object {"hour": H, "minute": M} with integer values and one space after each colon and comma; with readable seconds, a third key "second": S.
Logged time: {"hour": 9, "minute": 4}
